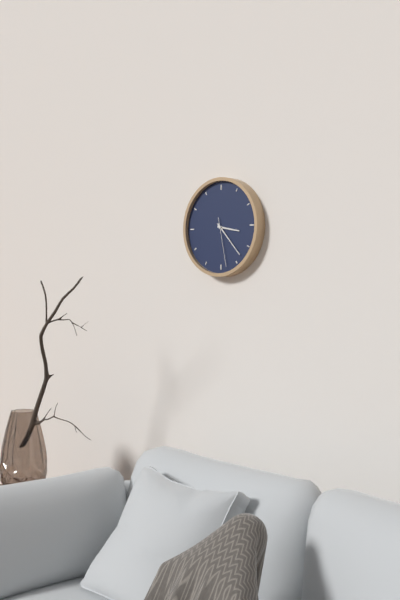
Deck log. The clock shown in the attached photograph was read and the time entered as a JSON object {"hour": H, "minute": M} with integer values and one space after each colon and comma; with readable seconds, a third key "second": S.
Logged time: {"hour": 3, "minute": 23, "second": 28}
